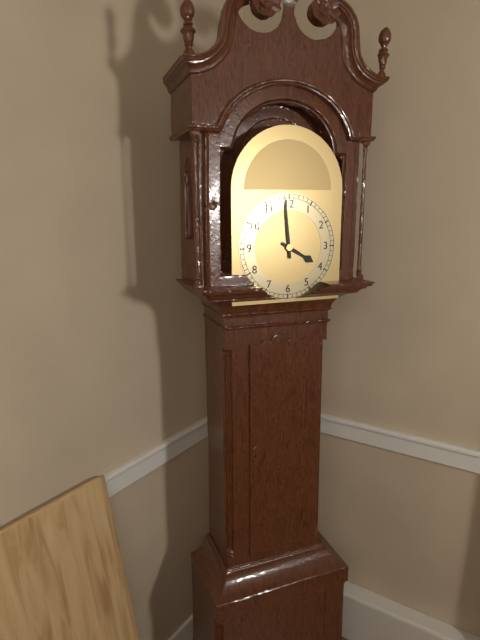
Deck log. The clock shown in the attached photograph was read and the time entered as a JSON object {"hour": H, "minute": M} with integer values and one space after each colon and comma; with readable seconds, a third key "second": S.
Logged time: {"hour": 3, "minute": 59}
